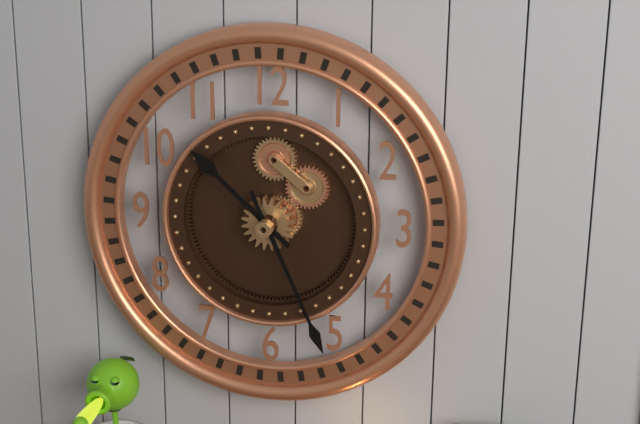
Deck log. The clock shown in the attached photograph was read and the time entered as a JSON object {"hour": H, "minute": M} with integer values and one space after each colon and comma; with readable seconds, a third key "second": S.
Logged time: {"hour": 10, "minute": 26}
